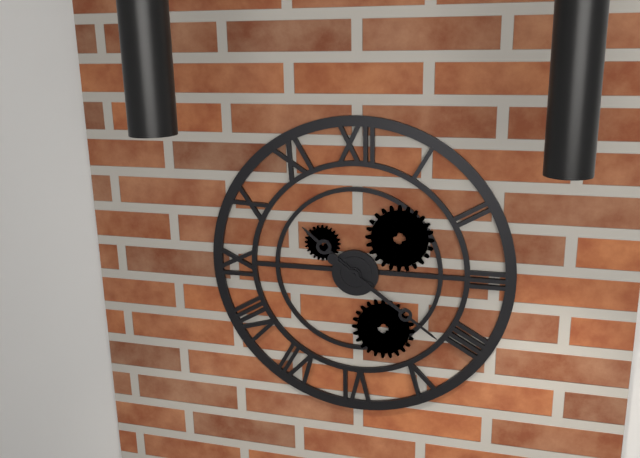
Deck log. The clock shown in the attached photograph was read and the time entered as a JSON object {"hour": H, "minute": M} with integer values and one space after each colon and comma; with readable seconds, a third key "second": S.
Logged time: {"hour": 10, "minute": 21}
